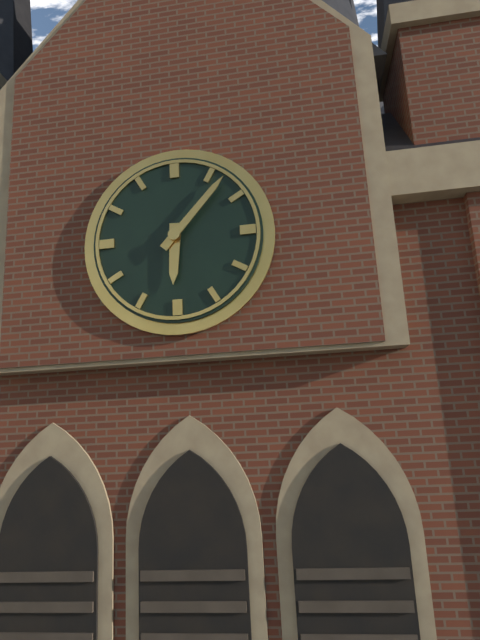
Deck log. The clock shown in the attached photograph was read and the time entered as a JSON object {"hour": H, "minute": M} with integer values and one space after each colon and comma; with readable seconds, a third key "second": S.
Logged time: {"hour": 6, "minute": 7}
